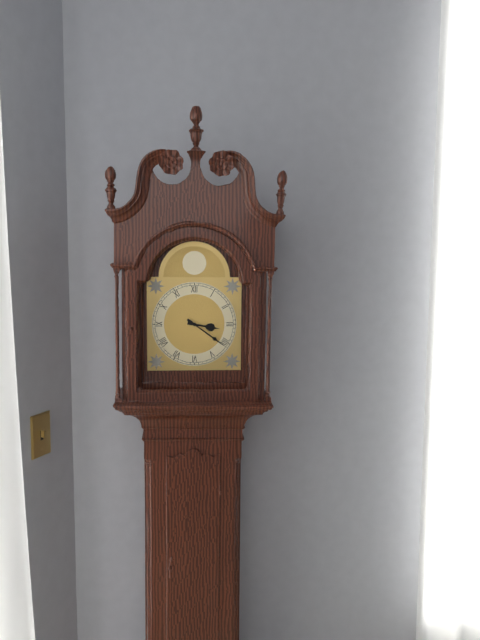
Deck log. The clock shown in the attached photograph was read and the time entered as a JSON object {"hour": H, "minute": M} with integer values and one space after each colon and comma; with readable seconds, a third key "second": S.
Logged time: {"hour": 3, "minute": 21}
